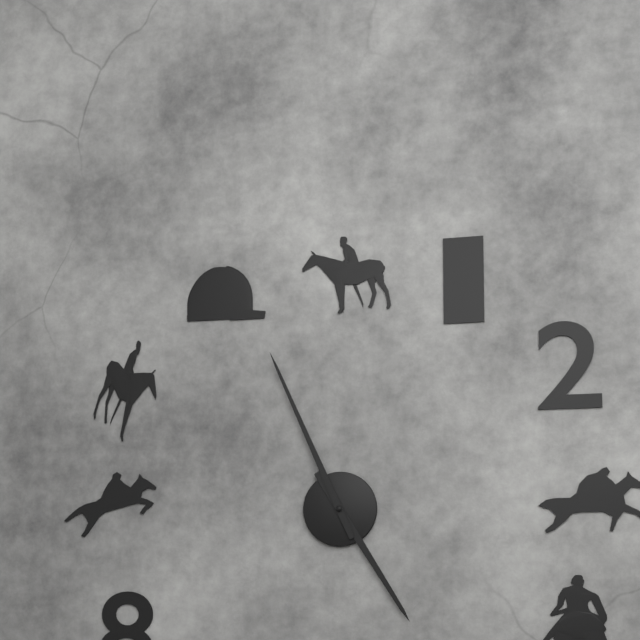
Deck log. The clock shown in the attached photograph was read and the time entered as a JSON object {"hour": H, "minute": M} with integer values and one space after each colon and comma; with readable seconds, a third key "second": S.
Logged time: {"hour": 4, "minute": 56}
